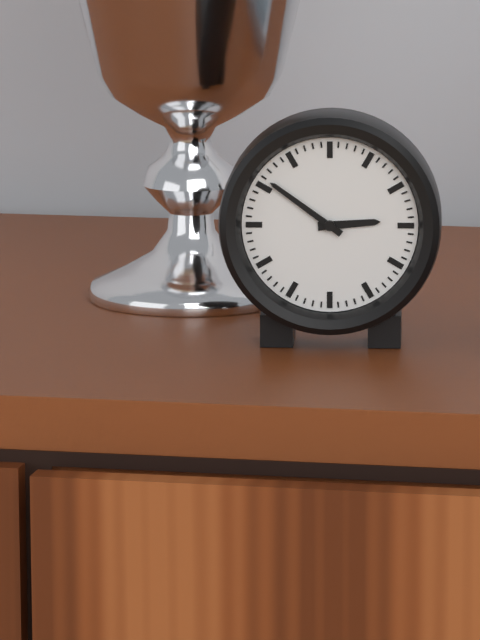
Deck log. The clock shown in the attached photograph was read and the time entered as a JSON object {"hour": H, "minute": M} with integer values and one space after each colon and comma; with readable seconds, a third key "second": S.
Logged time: {"hour": 2, "minute": 51}
